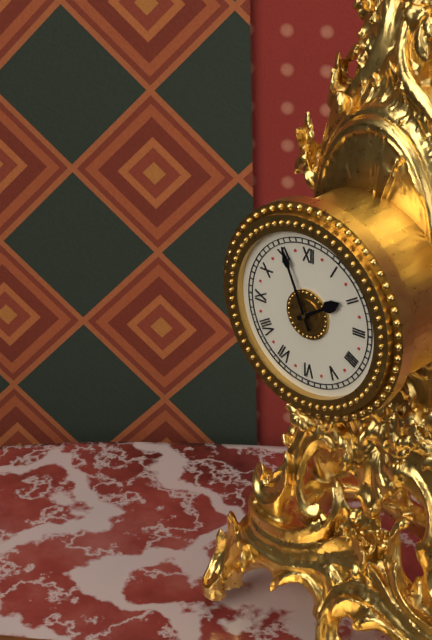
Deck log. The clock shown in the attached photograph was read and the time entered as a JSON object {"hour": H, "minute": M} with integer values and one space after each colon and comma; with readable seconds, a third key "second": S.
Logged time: {"hour": 1, "minute": 56}
